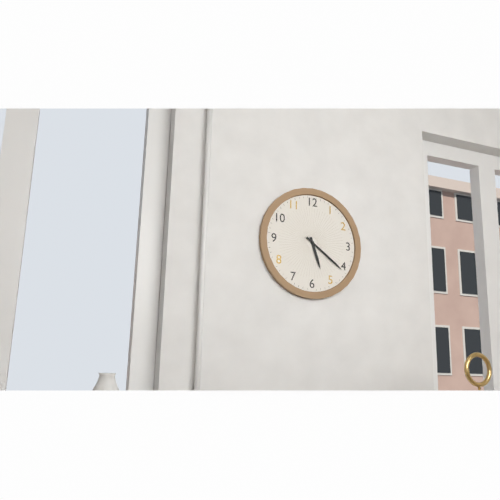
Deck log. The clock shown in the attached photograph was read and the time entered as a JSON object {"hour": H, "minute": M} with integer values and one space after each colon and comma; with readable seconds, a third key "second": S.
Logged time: {"hour": 5, "minute": 21}
